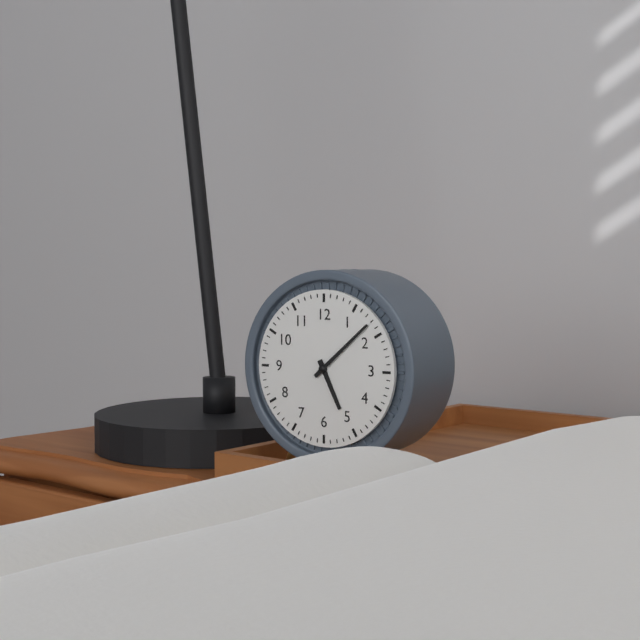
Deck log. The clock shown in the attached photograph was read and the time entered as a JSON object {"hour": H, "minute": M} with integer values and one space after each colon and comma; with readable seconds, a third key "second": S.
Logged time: {"hour": 5, "minute": 8}
